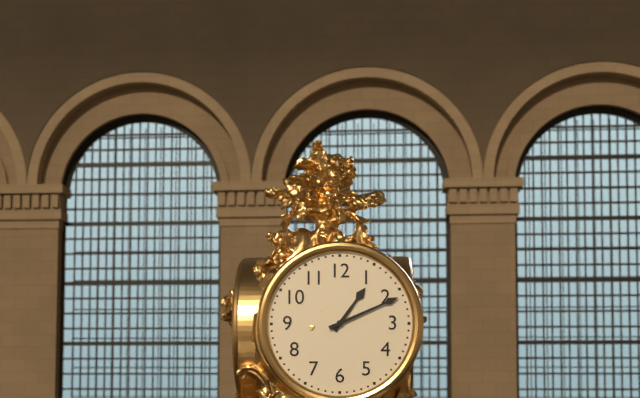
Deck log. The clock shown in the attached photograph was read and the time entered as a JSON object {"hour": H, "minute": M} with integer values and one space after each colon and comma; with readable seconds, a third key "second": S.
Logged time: {"hour": 1, "minute": 11}
